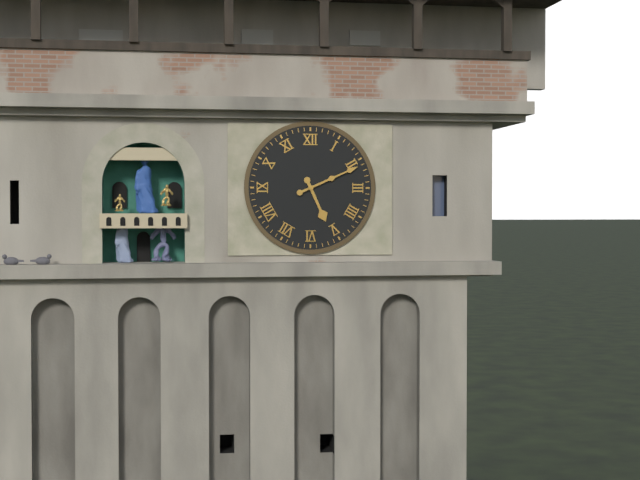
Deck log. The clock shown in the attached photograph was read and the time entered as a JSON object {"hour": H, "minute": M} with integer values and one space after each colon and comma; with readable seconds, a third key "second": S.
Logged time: {"hour": 5, "minute": 11}
